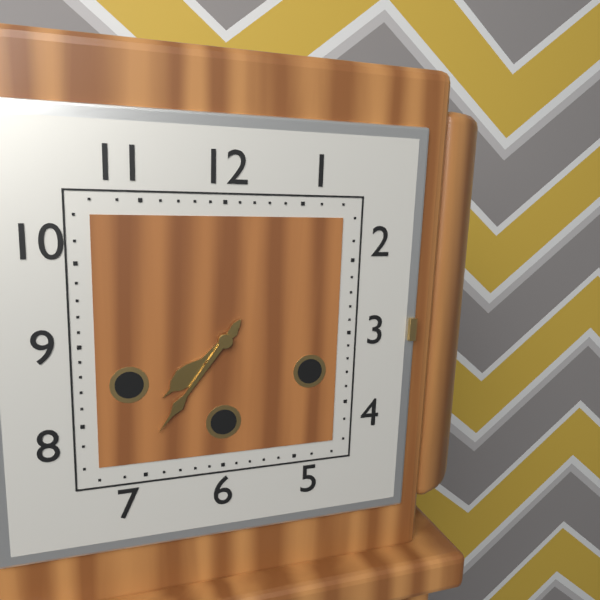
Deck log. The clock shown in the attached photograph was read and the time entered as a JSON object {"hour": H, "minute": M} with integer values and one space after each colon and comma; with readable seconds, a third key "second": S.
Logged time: {"hour": 7, "minute": 36}
